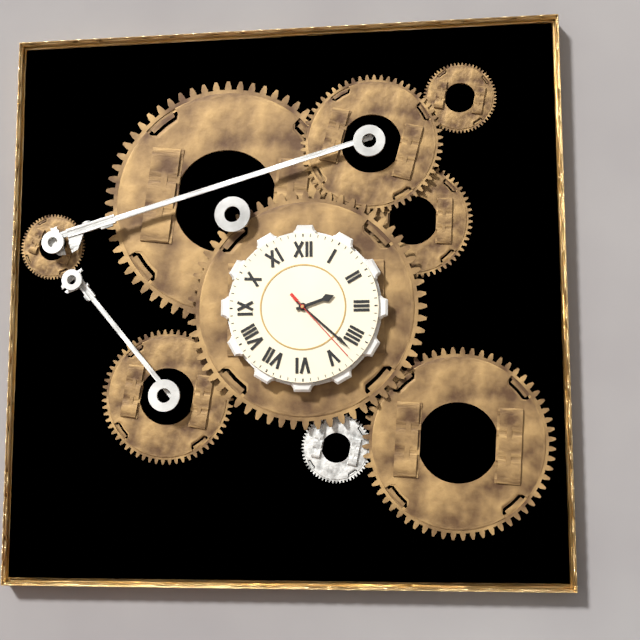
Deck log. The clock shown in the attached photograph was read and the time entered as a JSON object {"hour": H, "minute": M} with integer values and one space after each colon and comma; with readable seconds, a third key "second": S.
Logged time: {"hour": 2, "minute": 22, "second": 23}
